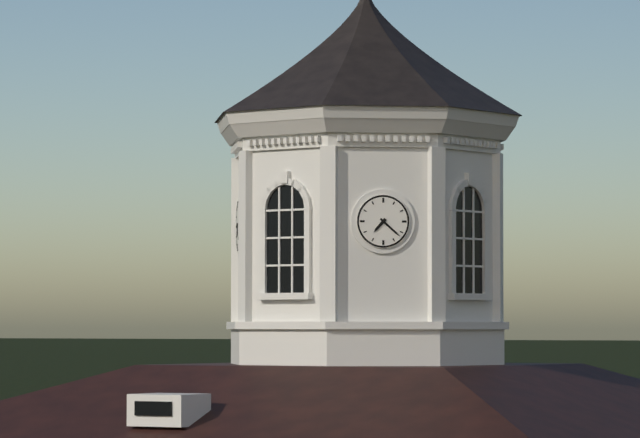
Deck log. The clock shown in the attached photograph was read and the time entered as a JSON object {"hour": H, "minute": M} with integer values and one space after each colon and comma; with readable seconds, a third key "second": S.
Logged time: {"hour": 7, "minute": 22}
